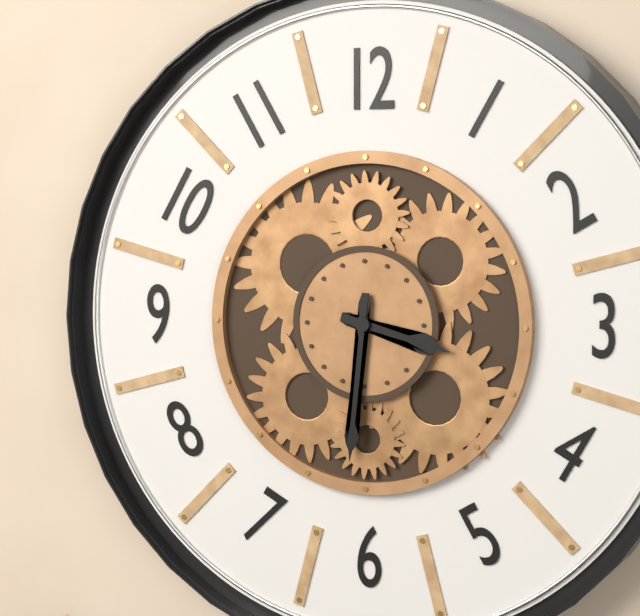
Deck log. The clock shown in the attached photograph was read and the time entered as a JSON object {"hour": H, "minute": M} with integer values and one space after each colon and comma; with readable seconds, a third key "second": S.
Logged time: {"hour": 3, "minute": 31}
